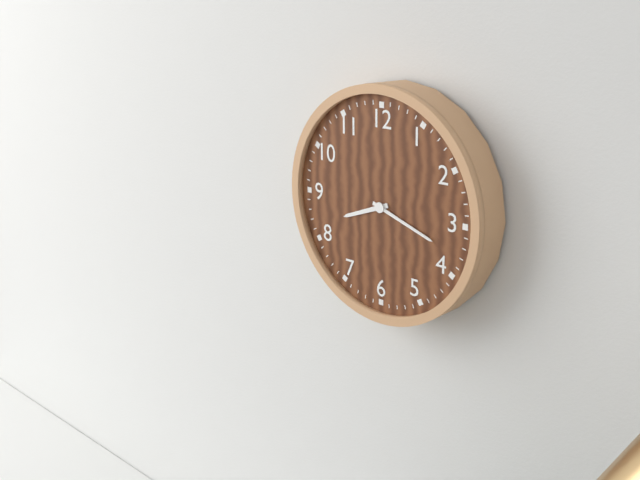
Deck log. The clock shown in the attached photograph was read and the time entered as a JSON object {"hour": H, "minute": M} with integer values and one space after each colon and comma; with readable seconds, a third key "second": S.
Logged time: {"hour": 8, "minute": 18}
